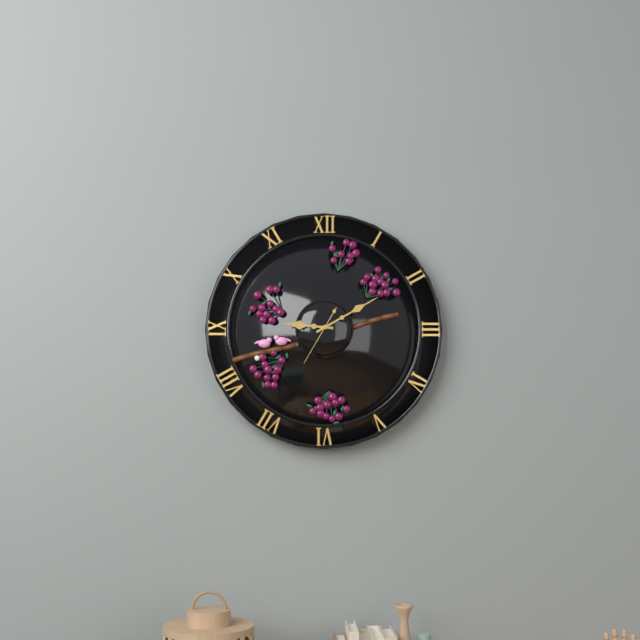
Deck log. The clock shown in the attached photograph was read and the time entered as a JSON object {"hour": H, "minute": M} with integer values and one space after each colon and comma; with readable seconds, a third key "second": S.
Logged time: {"hour": 9, "minute": 10}
